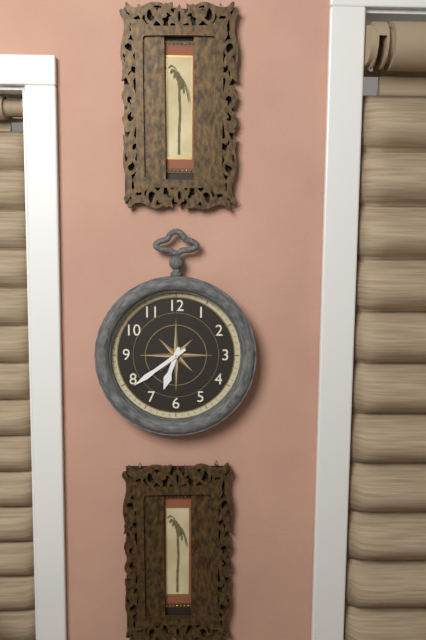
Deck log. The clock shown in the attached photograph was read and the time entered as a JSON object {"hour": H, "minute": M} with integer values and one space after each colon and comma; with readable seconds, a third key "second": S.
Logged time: {"hour": 6, "minute": 39}
